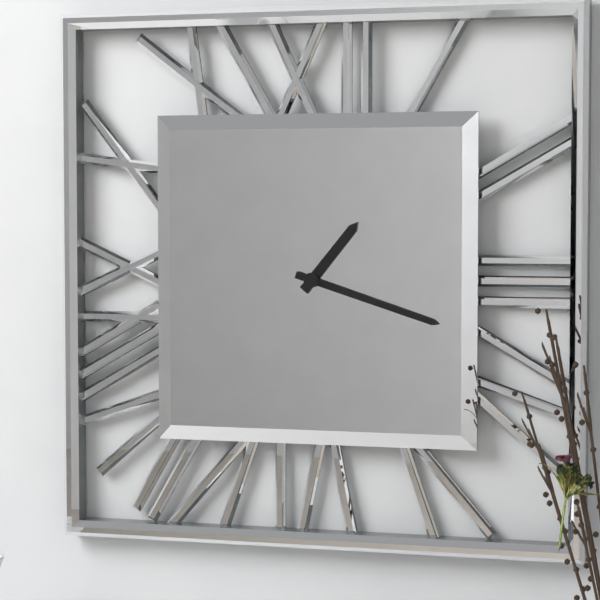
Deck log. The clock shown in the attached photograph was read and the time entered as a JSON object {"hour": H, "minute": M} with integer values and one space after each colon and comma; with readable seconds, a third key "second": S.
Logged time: {"hour": 1, "minute": 18}
